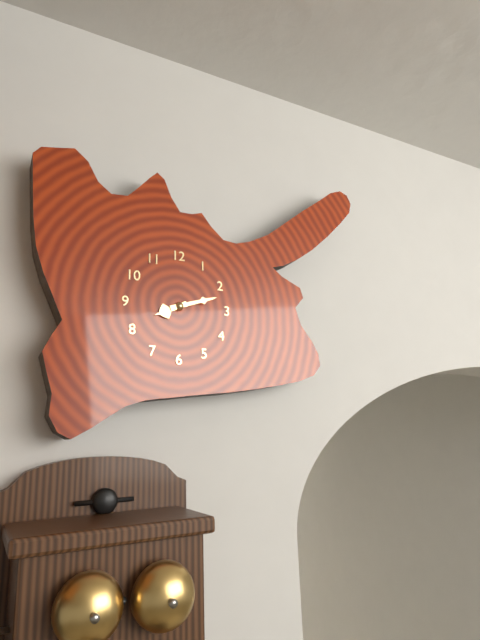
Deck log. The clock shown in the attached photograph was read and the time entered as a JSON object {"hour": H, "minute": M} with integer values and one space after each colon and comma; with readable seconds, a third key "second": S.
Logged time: {"hour": 8, "minute": 12}
